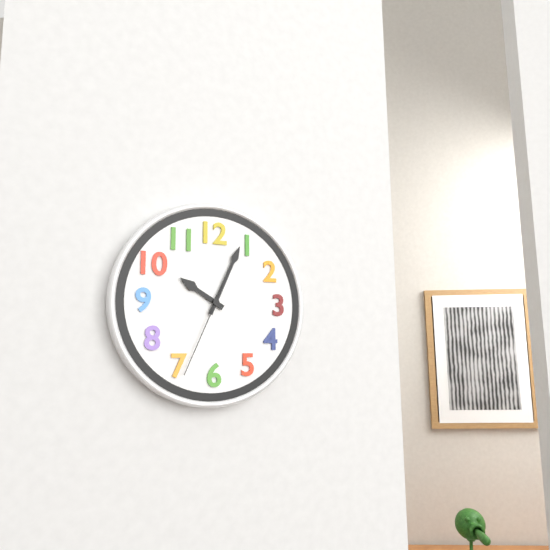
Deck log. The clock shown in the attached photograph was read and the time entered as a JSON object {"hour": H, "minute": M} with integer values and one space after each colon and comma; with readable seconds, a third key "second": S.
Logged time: {"hour": 10, "minute": 4, "second": 34}
